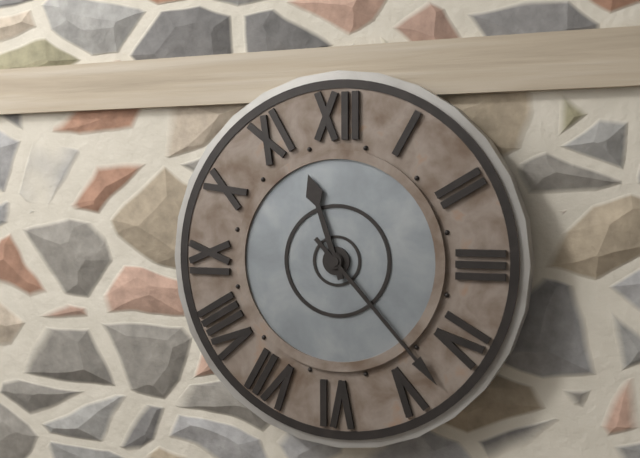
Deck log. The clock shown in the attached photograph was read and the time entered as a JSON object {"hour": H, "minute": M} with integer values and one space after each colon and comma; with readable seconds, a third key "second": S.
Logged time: {"hour": 11, "minute": 23}
